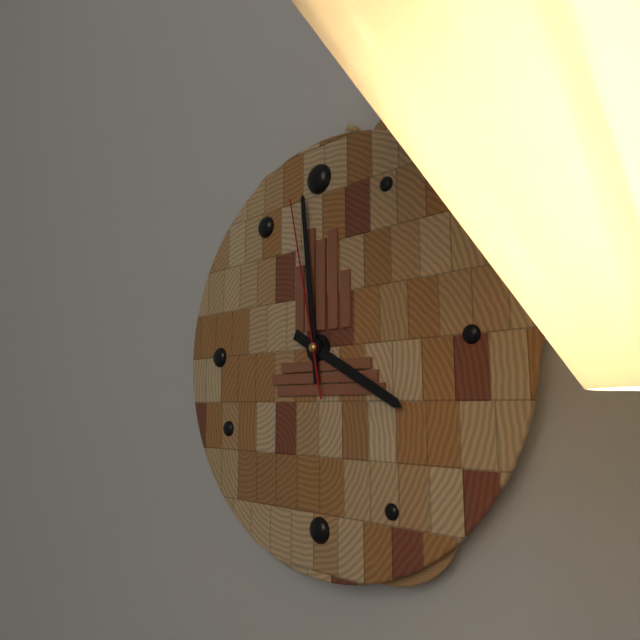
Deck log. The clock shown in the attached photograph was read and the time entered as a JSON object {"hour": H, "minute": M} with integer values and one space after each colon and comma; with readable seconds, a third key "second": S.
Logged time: {"hour": 3, "minute": 59, "second": 58}
